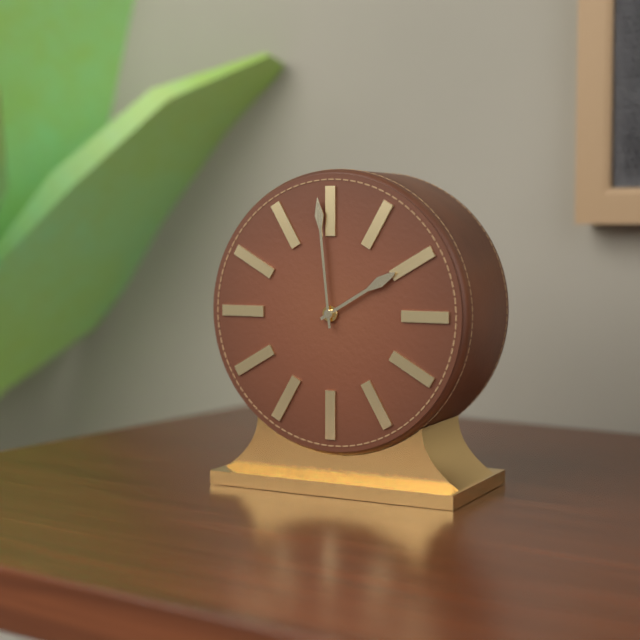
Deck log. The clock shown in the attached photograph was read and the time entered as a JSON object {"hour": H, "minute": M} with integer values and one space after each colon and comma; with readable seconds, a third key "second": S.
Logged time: {"hour": 1, "minute": 59}
